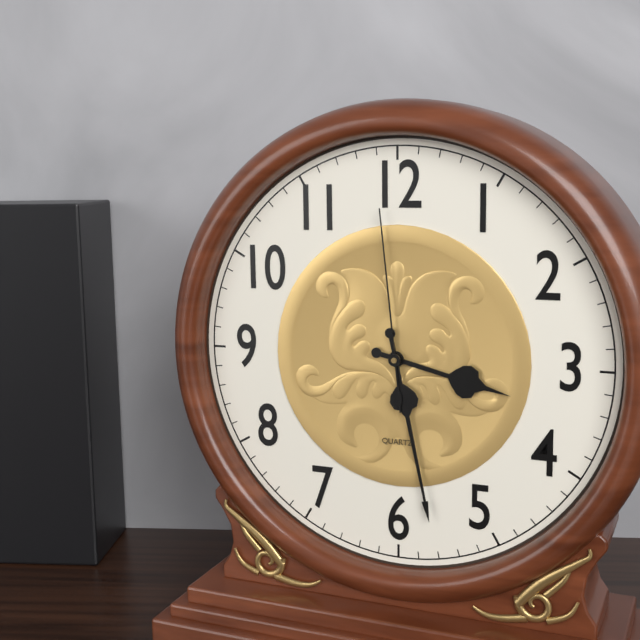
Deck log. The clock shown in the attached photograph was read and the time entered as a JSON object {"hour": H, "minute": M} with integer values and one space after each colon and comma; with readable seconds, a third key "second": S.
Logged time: {"hour": 3, "minute": 28, "second": 59}
